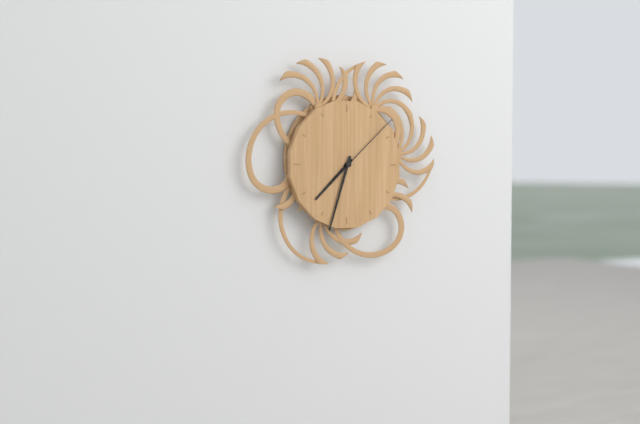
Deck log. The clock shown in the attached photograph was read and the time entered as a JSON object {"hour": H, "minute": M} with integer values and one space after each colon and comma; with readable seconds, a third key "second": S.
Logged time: {"hour": 7, "minute": 33, "second": 8}
